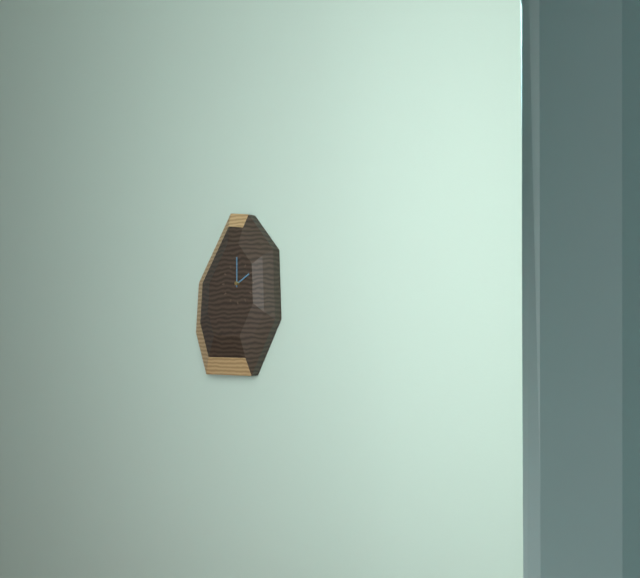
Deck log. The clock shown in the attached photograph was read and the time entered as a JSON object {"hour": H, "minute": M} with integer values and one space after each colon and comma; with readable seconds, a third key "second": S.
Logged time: {"hour": 2, "minute": 0}
